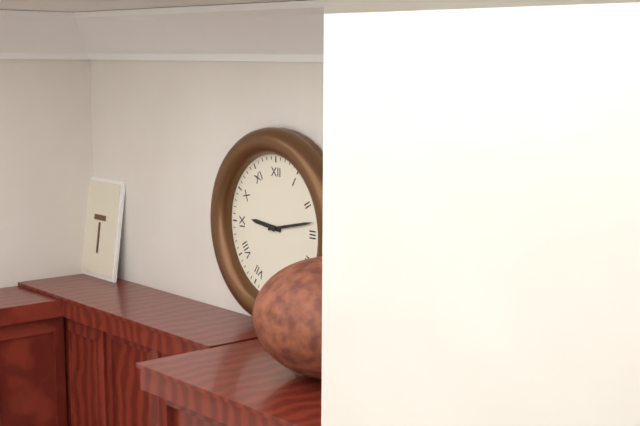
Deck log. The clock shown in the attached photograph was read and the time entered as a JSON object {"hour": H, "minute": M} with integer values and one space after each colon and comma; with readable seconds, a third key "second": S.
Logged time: {"hour": 9, "minute": 13}
